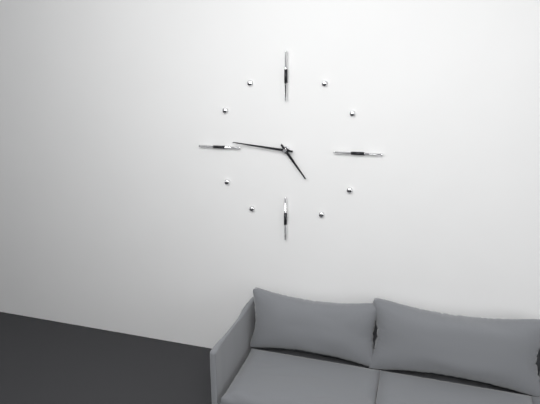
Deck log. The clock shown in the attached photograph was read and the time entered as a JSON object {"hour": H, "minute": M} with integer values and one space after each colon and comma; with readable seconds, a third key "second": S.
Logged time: {"hour": 4, "minute": 46}
